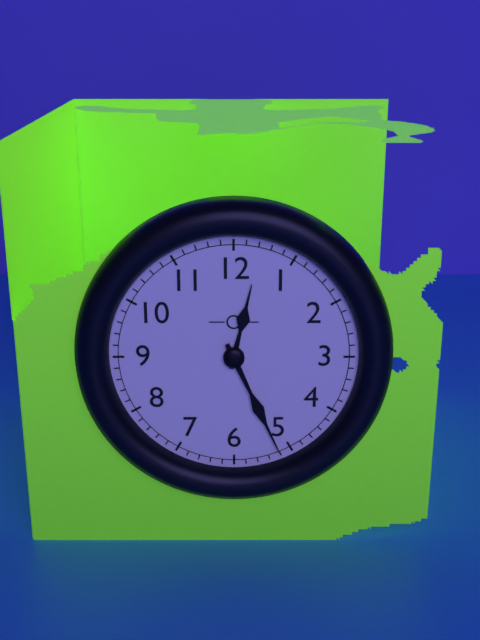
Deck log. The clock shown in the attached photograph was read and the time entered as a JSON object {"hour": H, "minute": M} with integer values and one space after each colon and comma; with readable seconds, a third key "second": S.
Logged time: {"hour": 12, "minute": 26}
